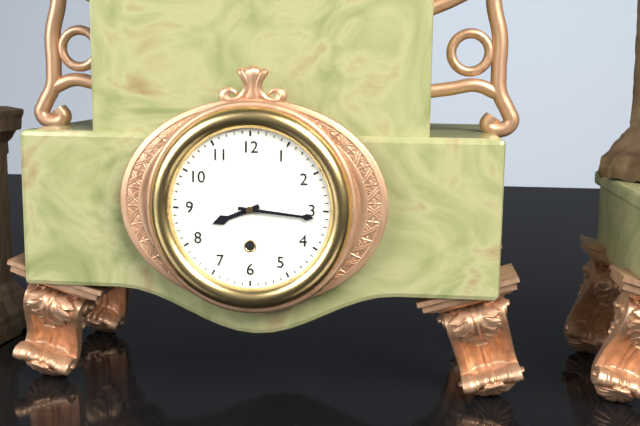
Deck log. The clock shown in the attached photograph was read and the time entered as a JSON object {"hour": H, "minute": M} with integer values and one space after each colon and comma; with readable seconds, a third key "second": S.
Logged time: {"hour": 8, "minute": 16}
